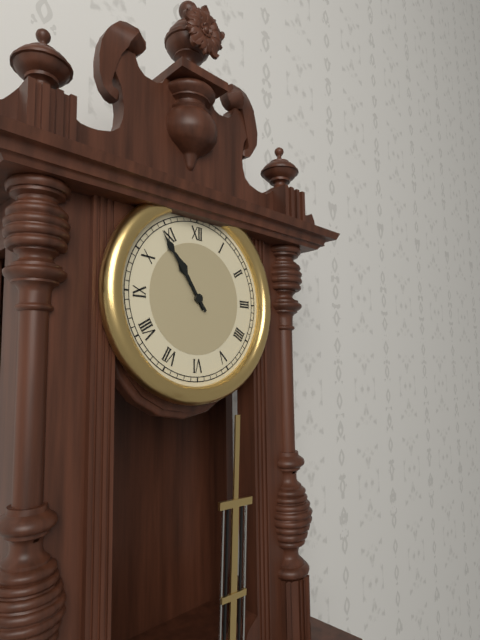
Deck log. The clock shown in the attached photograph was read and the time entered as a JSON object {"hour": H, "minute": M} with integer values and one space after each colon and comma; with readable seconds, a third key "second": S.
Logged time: {"hour": 10, "minute": 54}
